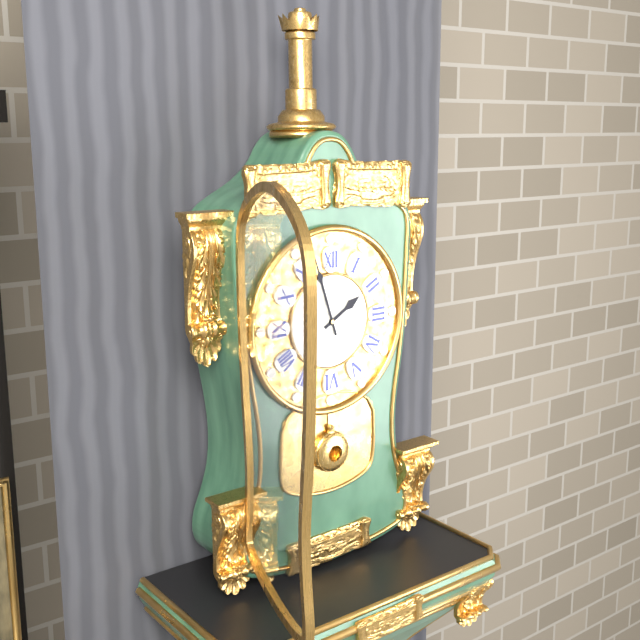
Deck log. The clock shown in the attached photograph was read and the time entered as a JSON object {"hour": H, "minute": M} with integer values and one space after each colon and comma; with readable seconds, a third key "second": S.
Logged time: {"hour": 1, "minute": 57}
